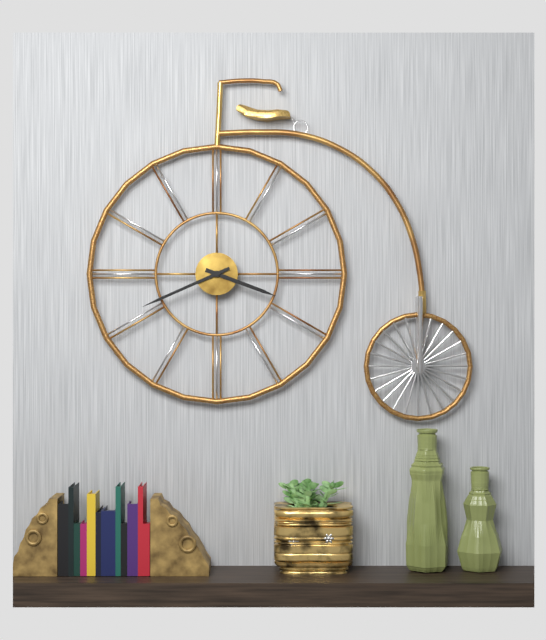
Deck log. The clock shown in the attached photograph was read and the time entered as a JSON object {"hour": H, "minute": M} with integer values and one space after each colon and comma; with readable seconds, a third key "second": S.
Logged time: {"hour": 3, "minute": 41}
